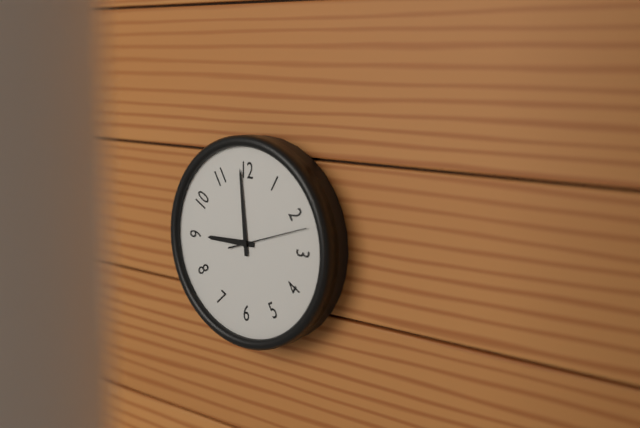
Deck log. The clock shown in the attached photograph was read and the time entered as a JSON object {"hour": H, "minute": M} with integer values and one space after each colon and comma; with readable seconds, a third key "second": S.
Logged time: {"hour": 8, "minute": 59, "second": 12}
